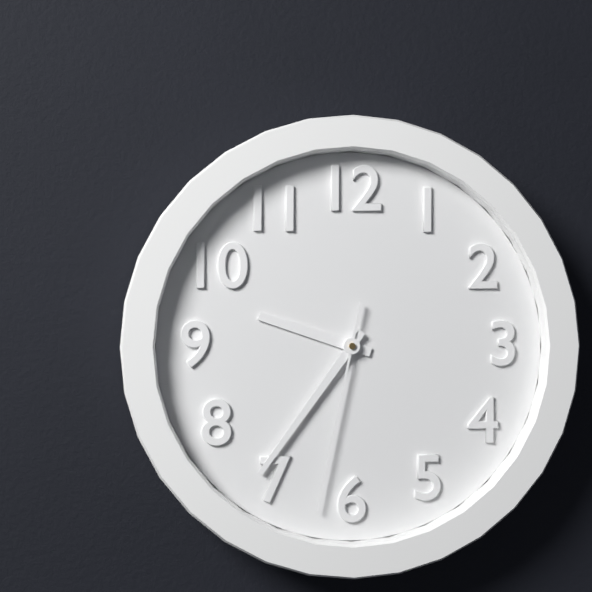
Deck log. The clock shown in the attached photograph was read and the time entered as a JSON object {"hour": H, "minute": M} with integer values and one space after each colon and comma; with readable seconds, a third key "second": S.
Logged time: {"hour": 9, "minute": 36, "second": 32}
